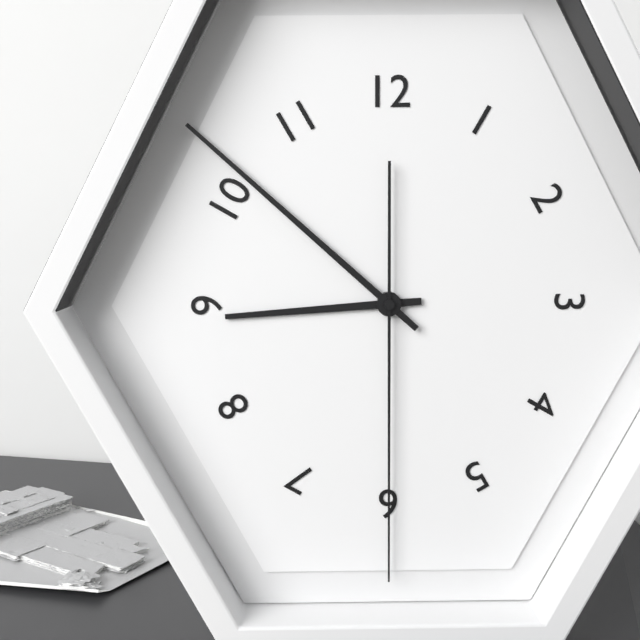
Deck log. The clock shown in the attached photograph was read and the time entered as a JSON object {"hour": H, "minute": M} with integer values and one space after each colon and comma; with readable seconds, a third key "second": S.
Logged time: {"hour": 8, "minute": 52, "second": 30}
